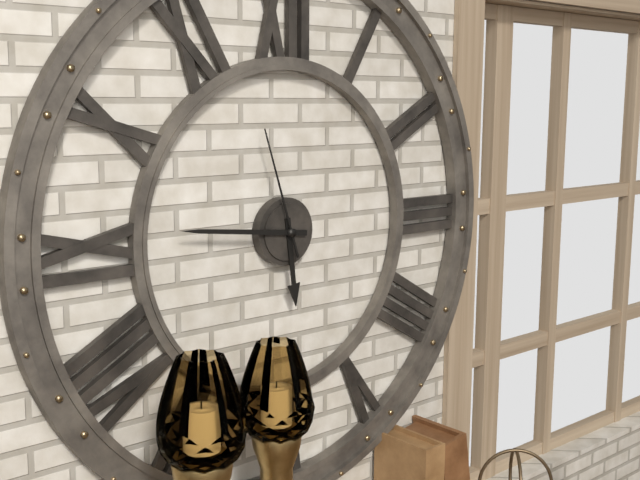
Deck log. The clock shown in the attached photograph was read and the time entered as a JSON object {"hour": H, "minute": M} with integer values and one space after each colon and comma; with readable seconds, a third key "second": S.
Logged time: {"hour": 5, "minute": 46, "second": 57}
